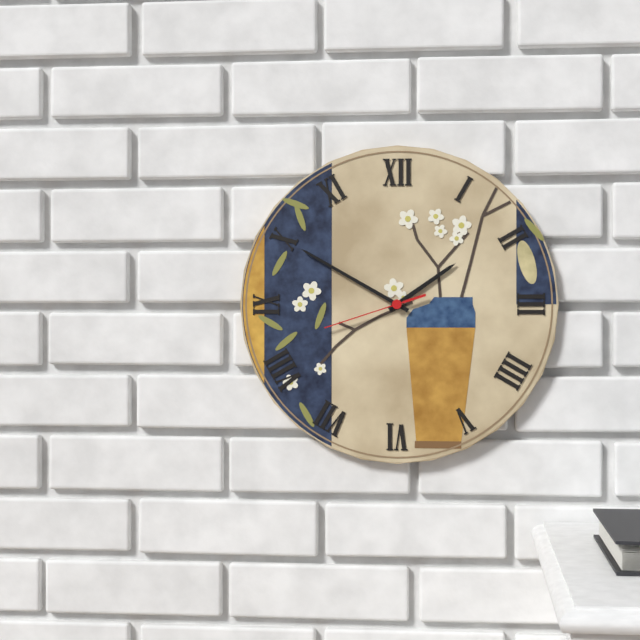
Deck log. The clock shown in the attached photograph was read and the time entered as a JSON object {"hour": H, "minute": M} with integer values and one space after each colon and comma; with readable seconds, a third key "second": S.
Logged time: {"hour": 1, "minute": 50, "second": 42}
